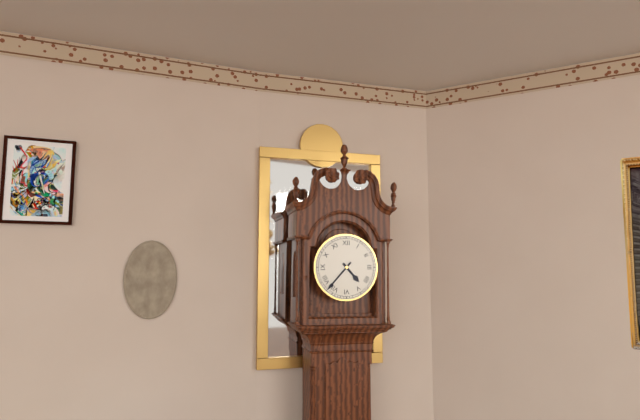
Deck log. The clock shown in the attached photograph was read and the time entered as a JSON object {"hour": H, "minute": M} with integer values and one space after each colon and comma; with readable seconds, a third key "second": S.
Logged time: {"hour": 4, "minute": 37}
